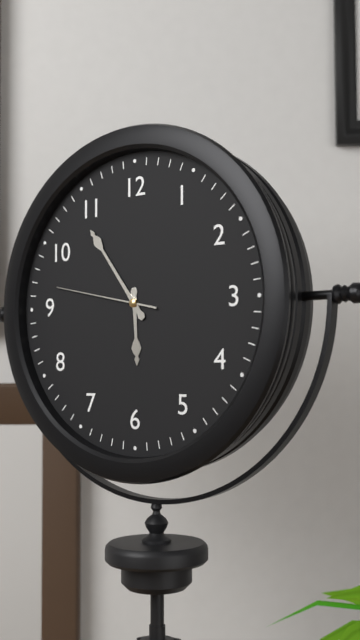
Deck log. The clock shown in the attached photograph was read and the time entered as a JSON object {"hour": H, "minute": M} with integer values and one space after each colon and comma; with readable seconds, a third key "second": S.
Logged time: {"hour": 5, "minute": 54, "second": 47}
